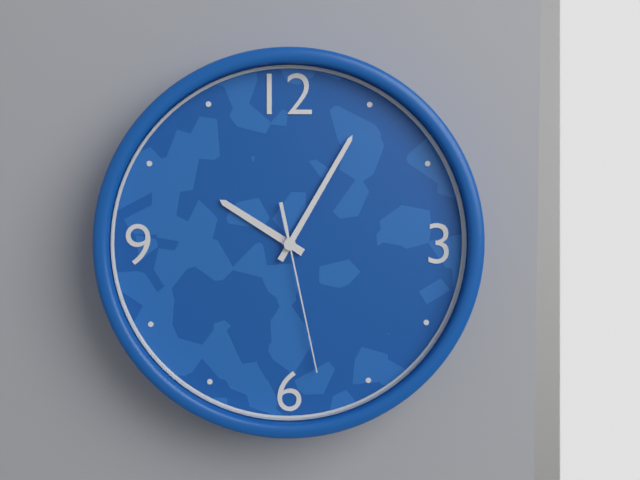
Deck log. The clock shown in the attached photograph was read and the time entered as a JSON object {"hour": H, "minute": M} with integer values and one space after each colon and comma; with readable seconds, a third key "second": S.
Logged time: {"hour": 10, "minute": 5, "second": 28}
